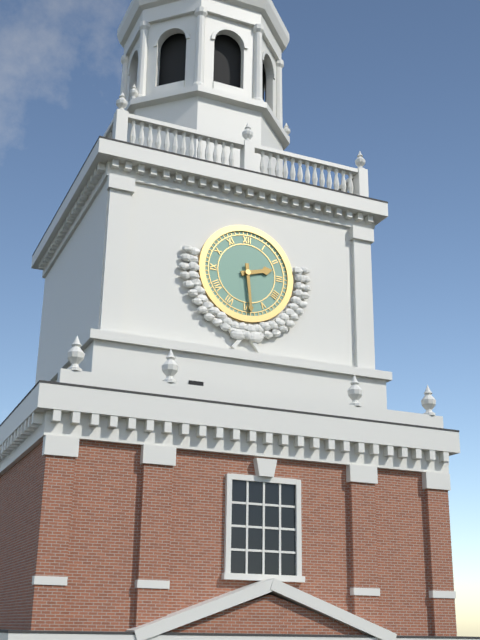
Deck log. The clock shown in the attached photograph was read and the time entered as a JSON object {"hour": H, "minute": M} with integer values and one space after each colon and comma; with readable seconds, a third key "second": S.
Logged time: {"hour": 2, "minute": 29}
